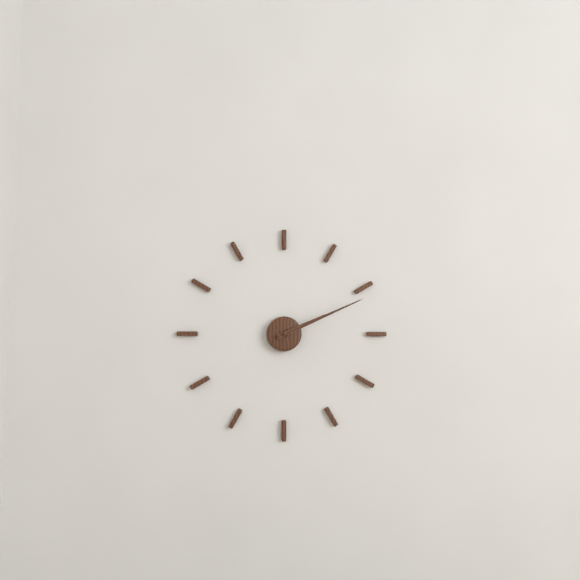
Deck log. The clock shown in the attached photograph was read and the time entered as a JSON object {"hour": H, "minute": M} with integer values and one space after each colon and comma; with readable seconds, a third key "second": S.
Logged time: {"hour": 2, "minute": 11}
